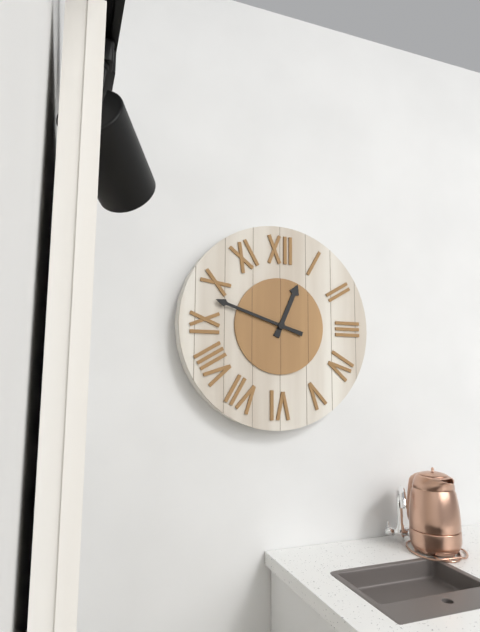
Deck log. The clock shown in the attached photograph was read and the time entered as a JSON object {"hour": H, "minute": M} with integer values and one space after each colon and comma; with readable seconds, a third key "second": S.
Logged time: {"hour": 12, "minute": 48}
